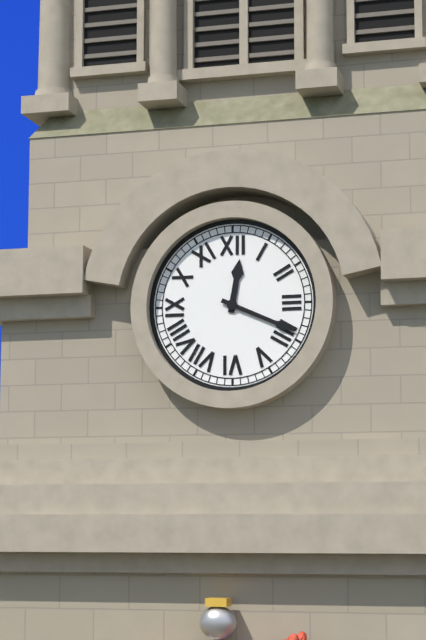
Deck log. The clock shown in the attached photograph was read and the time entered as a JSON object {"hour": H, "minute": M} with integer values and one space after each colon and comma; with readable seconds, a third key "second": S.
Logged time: {"hour": 12, "minute": 19}
